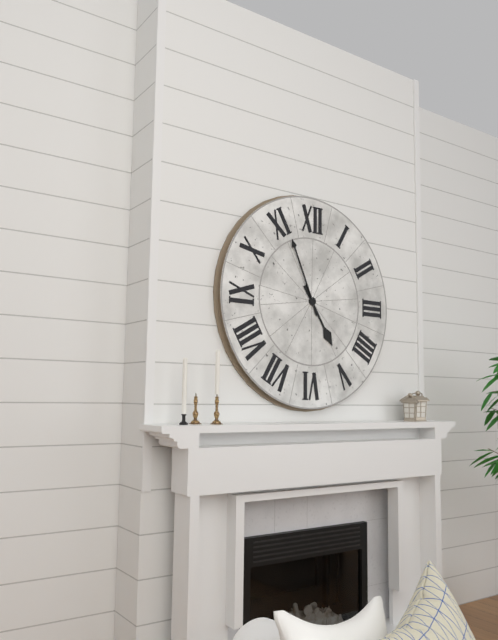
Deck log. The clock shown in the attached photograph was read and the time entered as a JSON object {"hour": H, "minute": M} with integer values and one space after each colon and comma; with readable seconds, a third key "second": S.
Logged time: {"hour": 4, "minute": 56}
